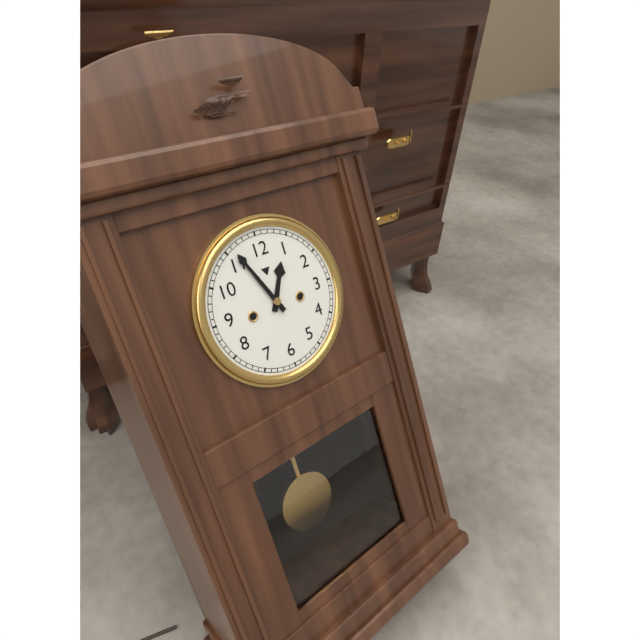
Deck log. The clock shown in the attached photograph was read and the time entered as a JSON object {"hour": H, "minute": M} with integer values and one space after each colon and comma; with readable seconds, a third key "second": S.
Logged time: {"hour": 12, "minute": 56}
